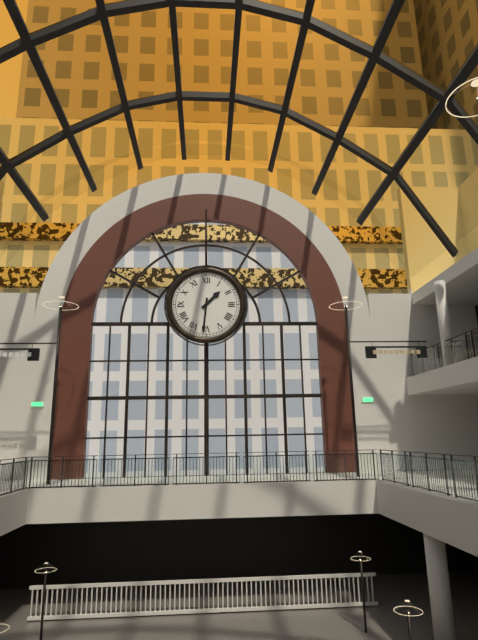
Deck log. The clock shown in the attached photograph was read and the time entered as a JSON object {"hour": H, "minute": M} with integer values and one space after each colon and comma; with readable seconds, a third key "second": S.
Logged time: {"hour": 1, "minute": 31}
